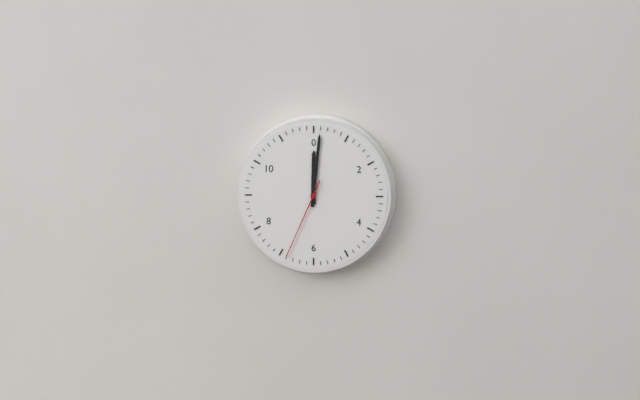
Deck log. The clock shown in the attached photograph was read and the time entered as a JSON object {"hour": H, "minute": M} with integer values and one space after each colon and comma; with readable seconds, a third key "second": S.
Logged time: {"hour": 12, "minute": 1, "second": 34}
